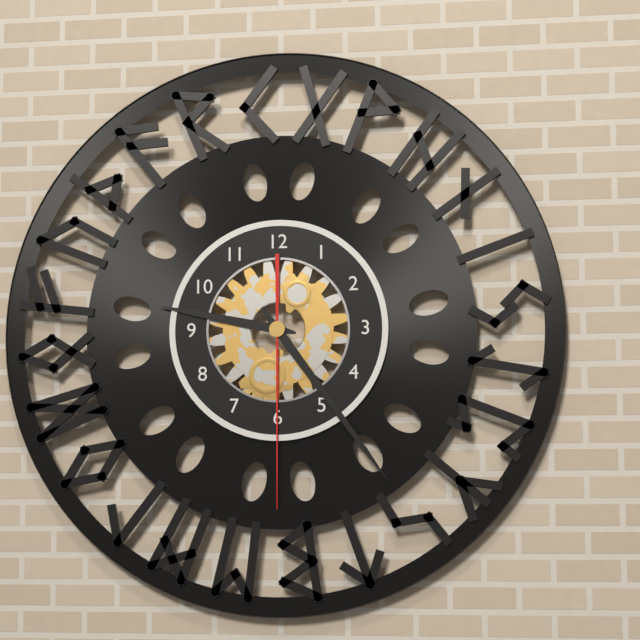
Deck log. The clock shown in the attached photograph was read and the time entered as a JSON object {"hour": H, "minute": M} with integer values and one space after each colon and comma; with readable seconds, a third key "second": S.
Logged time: {"hour": 9, "minute": 24, "second": 30}
